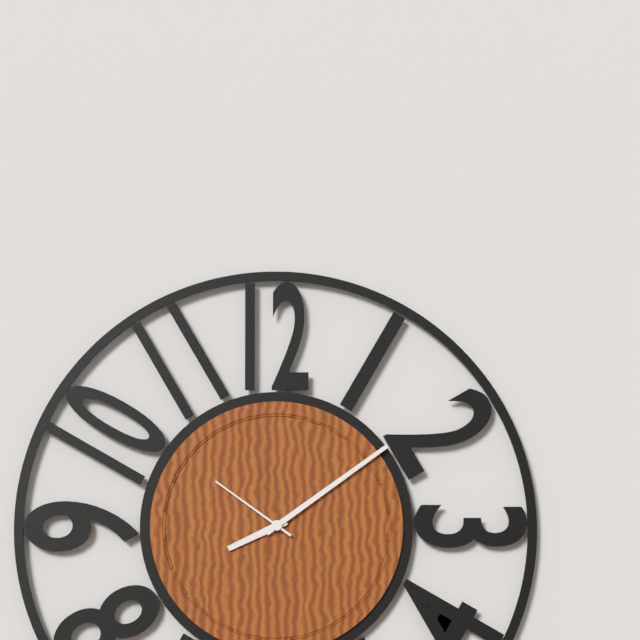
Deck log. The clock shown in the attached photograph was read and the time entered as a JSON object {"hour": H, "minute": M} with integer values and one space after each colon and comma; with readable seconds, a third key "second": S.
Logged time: {"hour": 8, "minute": 9, "second": 51}
